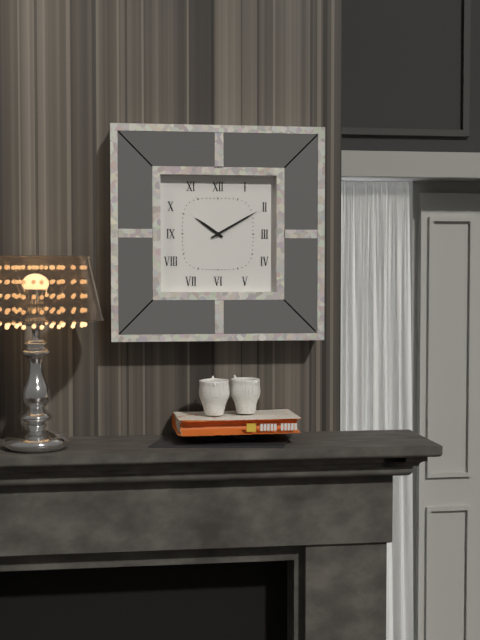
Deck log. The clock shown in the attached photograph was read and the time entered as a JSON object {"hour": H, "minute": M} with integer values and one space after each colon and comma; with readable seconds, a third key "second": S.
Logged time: {"hour": 10, "minute": 10}
